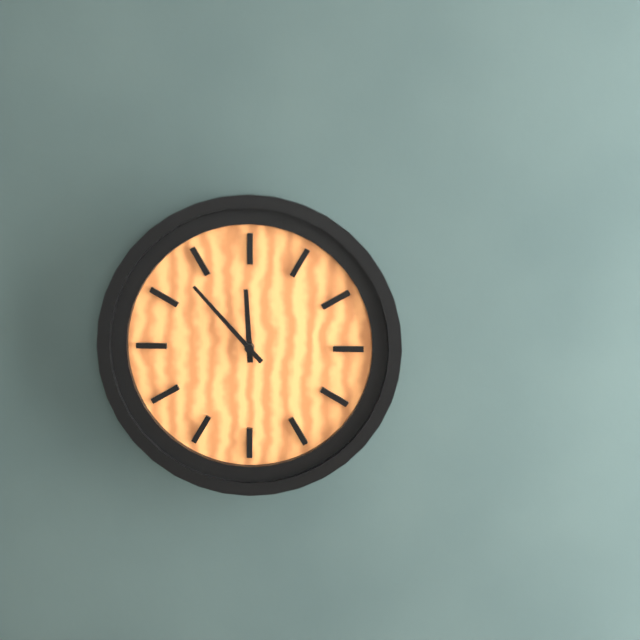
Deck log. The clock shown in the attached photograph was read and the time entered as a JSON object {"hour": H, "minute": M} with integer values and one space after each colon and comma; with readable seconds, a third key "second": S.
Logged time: {"hour": 11, "minute": 53}
